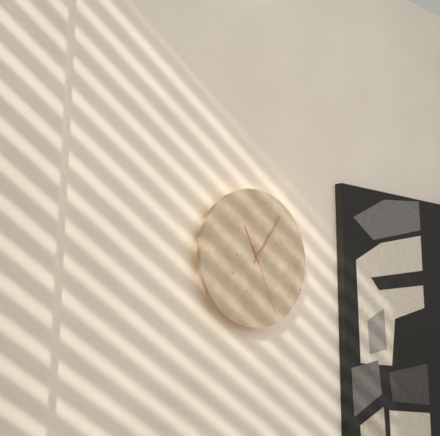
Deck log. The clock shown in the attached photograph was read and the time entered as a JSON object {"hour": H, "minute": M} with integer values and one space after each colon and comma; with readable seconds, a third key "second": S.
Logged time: {"hour": 11, "minute": 6, "second": 26}
